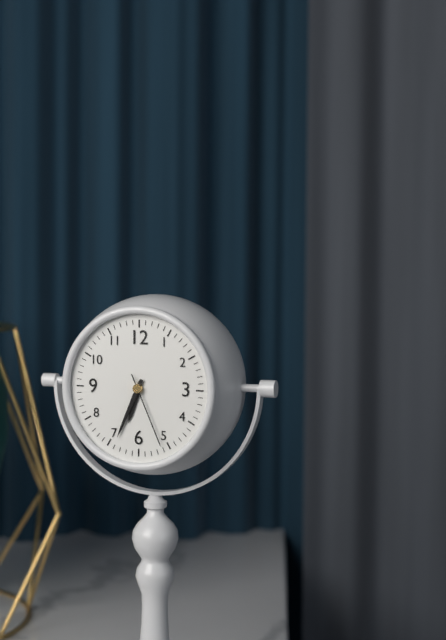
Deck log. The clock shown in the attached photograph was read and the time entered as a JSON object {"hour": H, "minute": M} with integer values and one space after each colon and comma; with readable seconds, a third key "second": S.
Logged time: {"hour": 6, "minute": 34, "second": 26}
